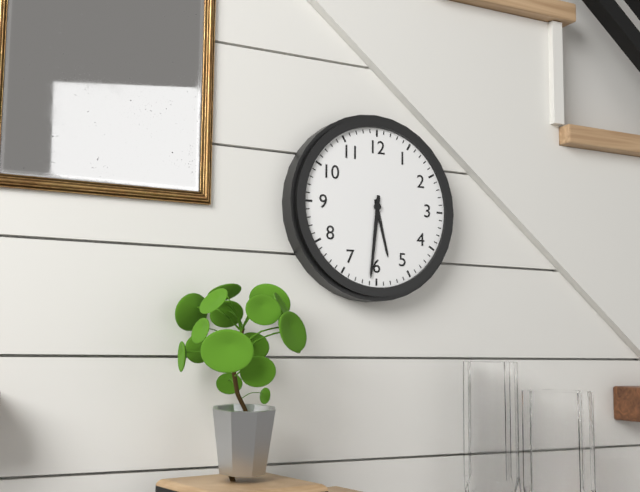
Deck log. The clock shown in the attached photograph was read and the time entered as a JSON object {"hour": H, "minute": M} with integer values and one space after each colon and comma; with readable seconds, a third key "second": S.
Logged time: {"hour": 5, "minute": 31}
